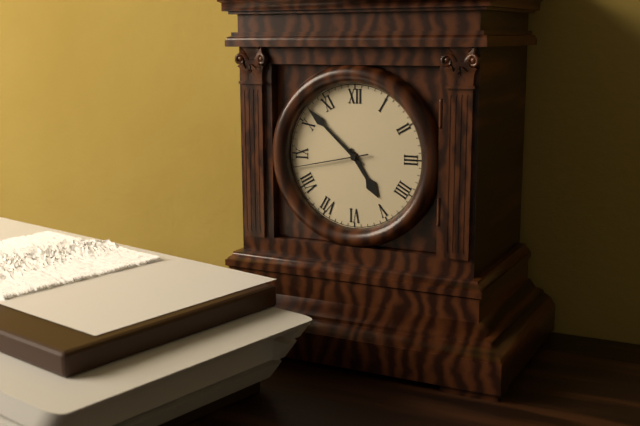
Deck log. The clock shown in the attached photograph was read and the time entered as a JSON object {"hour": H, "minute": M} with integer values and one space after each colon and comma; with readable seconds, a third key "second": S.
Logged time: {"hour": 4, "minute": 52, "second": 43}
